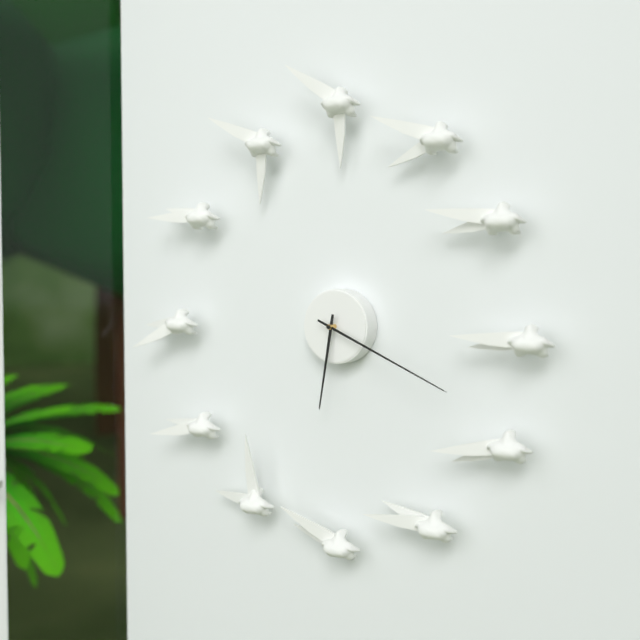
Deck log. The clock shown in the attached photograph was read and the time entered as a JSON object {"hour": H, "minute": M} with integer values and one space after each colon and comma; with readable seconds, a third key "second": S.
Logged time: {"hour": 6, "minute": 19}
